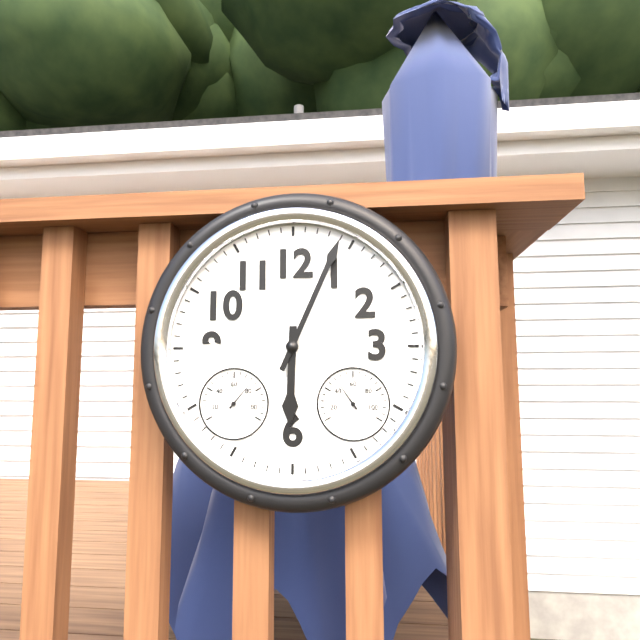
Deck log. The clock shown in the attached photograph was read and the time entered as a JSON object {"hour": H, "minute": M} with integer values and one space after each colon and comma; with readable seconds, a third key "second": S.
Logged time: {"hour": 6, "minute": 4}
